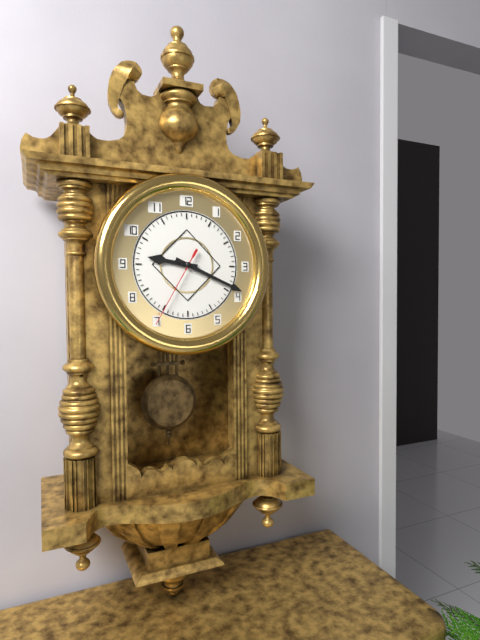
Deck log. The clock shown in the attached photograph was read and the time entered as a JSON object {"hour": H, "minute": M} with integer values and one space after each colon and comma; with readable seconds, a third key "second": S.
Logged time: {"hour": 9, "minute": 19, "second": 35}
